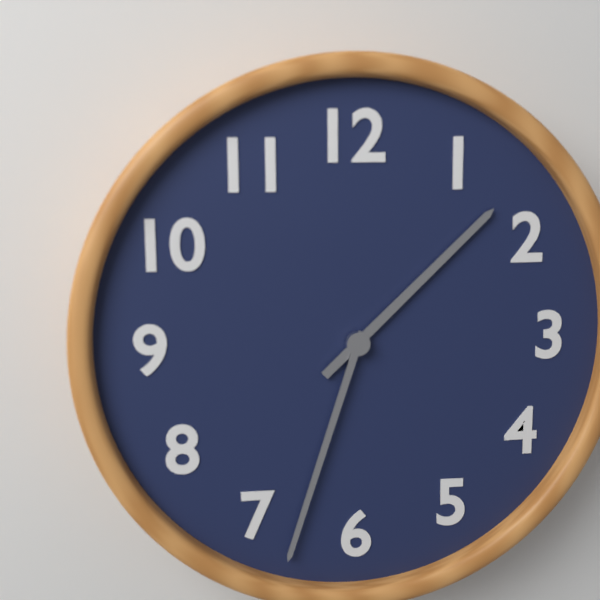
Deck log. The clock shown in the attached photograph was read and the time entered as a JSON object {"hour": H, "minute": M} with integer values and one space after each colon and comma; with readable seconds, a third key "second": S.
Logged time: {"hour": 1, "minute": 33}
